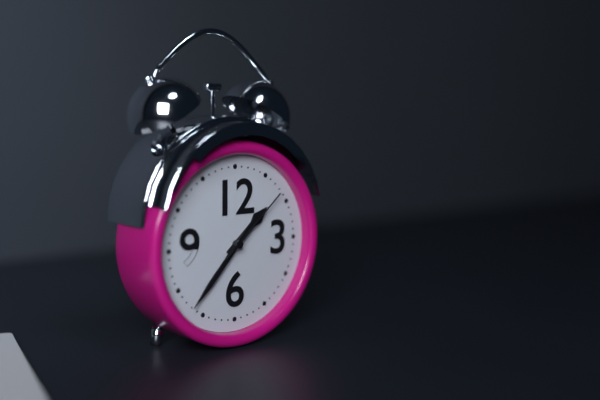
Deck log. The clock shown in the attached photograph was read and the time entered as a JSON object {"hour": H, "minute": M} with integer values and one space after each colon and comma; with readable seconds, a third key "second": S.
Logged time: {"hour": 1, "minute": 37, "second": 8}
